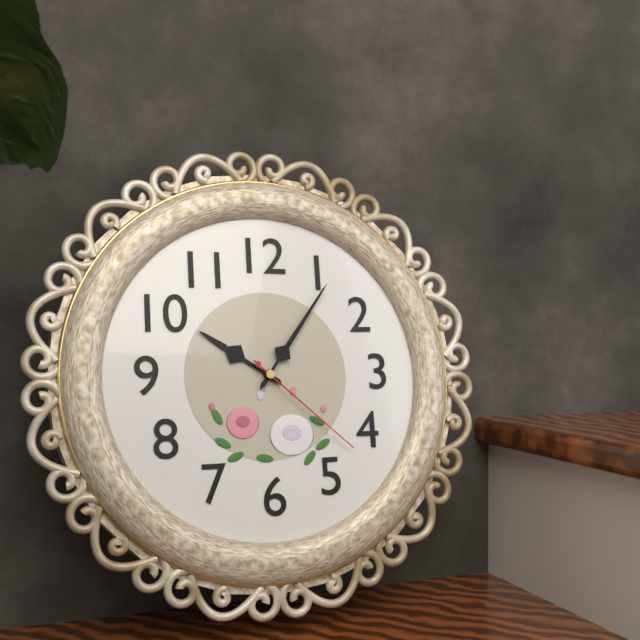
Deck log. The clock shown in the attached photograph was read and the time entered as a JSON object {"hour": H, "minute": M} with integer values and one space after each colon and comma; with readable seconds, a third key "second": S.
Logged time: {"hour": 10, "minute": 6, "second": 22}
